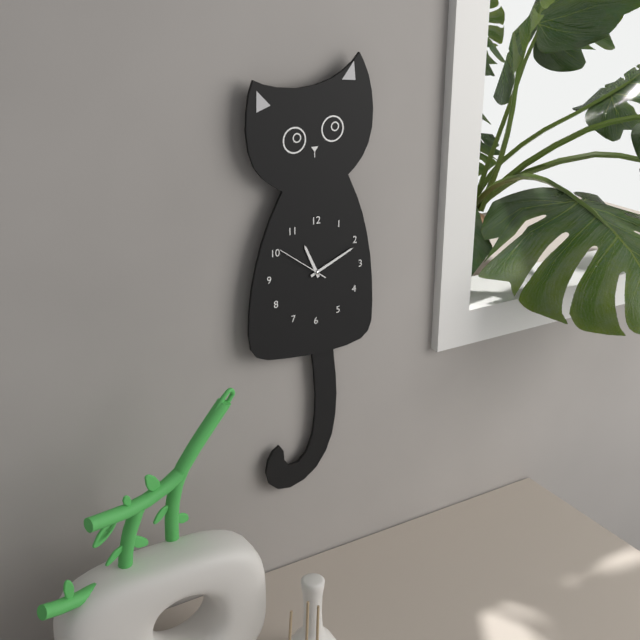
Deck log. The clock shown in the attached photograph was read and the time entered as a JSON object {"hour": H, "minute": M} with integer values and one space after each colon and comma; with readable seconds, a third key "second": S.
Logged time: {"hour": 11, "minute": 11, "second": 51}
